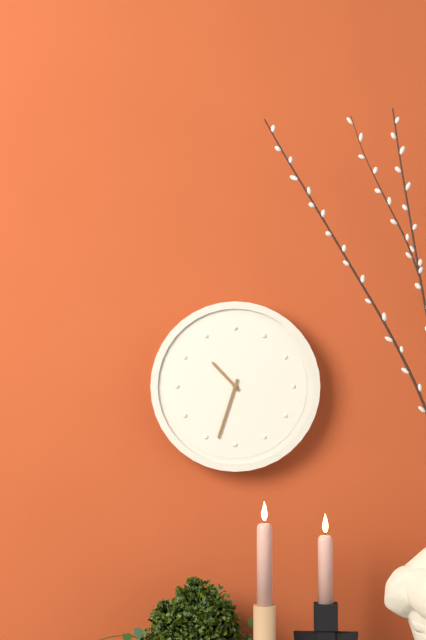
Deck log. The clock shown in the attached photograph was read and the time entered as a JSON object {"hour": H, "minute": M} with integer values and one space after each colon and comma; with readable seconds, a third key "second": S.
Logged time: {"hour": 10, "minute": 33}
